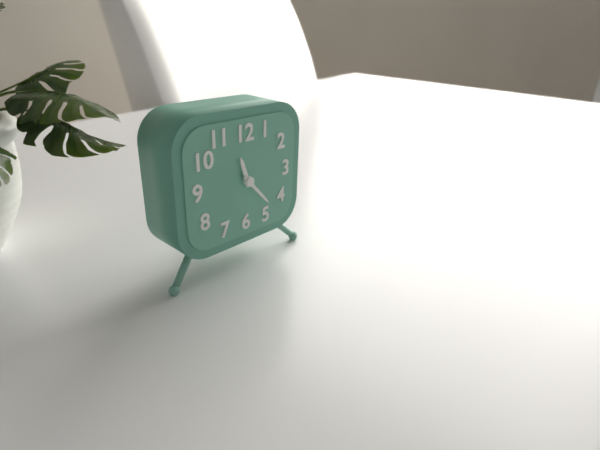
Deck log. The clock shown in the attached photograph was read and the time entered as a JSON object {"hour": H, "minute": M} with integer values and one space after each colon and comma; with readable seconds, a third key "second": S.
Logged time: {"hour": 11, "minute": 23}
